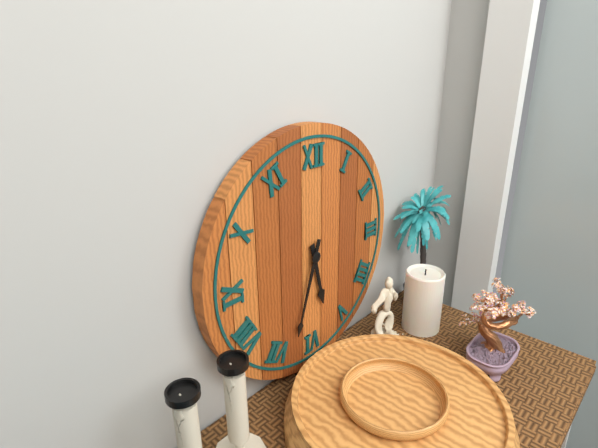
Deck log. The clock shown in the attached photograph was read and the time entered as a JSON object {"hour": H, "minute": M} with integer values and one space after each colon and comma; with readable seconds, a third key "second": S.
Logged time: {"hour": 5, "minute": 33}
